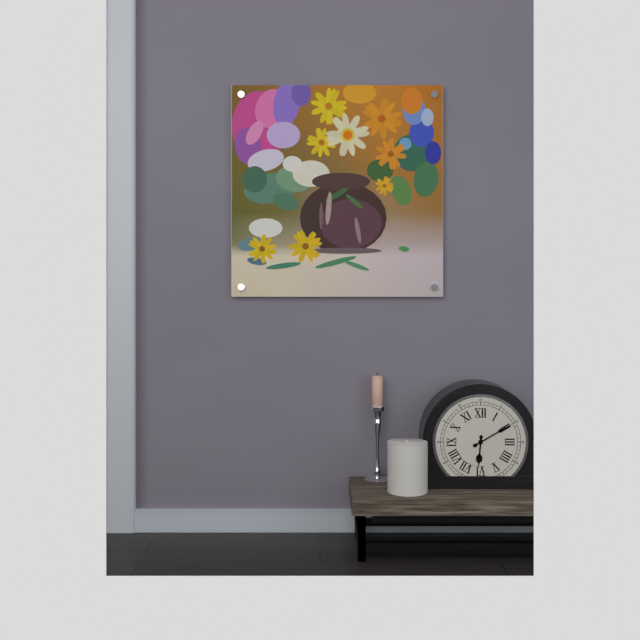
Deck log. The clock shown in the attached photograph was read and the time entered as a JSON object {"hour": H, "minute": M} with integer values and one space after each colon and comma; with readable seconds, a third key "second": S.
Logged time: {"hour": 6, "minute": 10}
